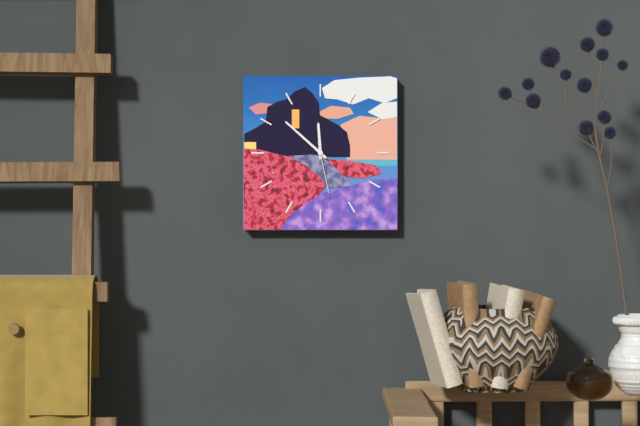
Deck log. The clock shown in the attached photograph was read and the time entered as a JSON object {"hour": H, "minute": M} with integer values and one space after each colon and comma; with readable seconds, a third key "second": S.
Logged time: {"hour": 11, "minute": 52, "second": 28}
